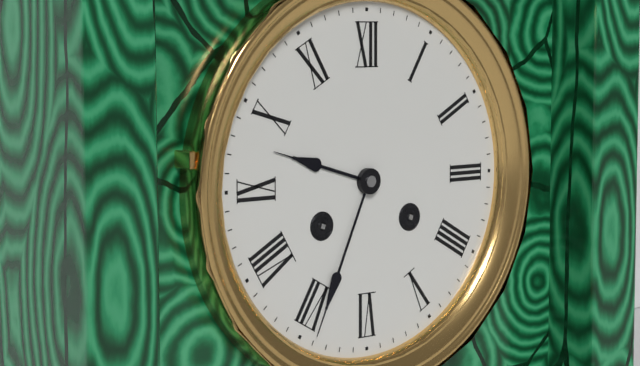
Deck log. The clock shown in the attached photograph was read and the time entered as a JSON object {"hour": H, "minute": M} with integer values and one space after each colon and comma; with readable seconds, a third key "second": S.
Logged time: {"hour": 9, "minute": 34}
